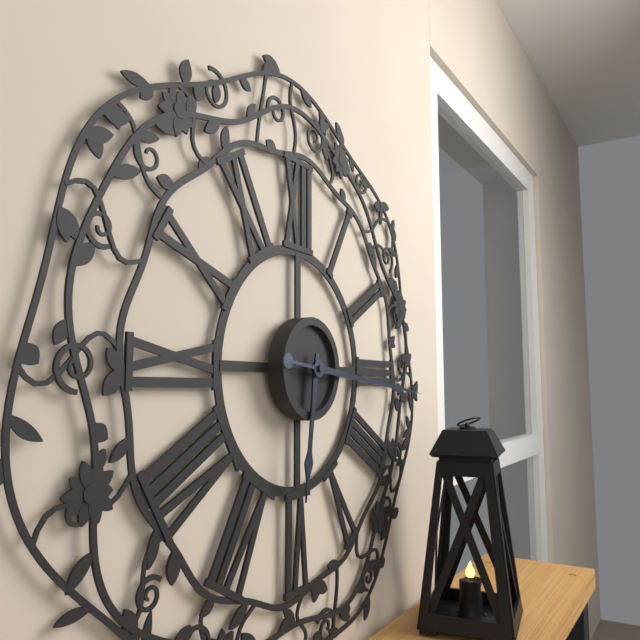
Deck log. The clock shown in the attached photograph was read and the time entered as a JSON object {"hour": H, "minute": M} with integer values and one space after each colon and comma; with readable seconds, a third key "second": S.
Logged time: {"hour": 6, "minute": 16}
